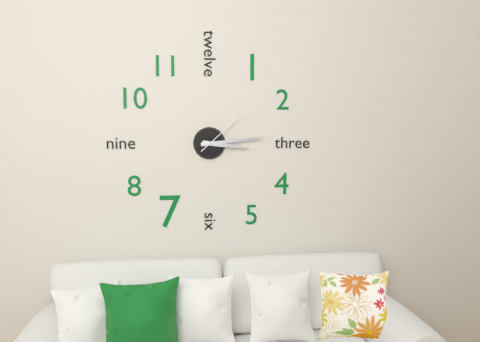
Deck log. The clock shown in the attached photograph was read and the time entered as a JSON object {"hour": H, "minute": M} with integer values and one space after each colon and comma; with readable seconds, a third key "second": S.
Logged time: {"hour": 3, "minute": 14, "second": 8}
